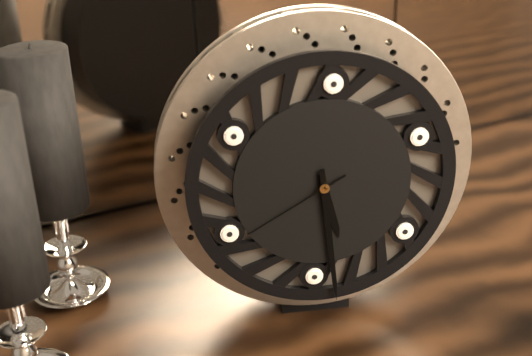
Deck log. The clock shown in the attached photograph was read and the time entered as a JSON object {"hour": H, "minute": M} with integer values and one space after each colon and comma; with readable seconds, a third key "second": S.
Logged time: {"hour": 5, "minute": 29, "second": 40}
